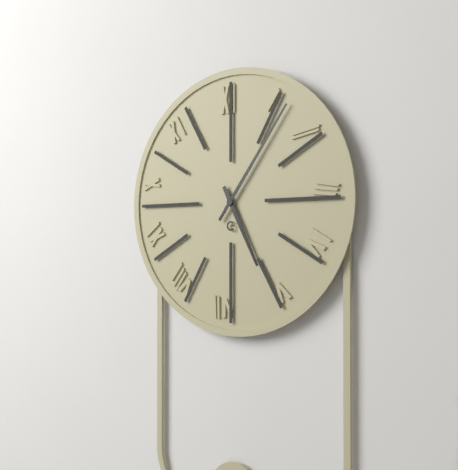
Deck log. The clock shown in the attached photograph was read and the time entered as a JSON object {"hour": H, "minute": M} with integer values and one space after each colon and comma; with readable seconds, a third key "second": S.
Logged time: {"hour": 5, "minute": 6}
